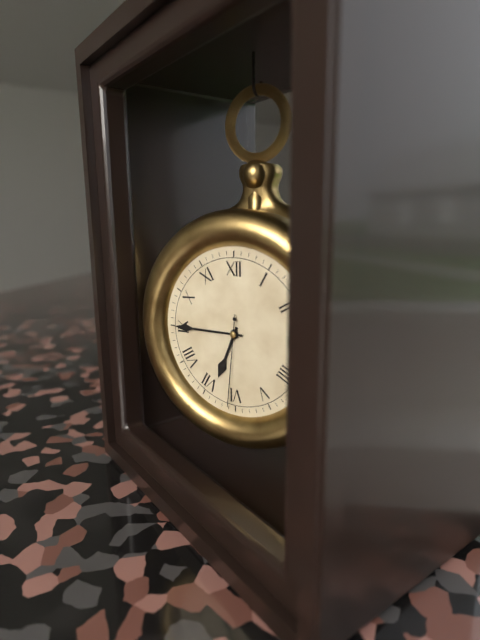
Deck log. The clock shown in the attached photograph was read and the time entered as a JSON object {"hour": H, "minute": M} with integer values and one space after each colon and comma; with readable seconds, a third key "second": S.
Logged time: {"hour": 6, "minute": 45, "second": 31}
